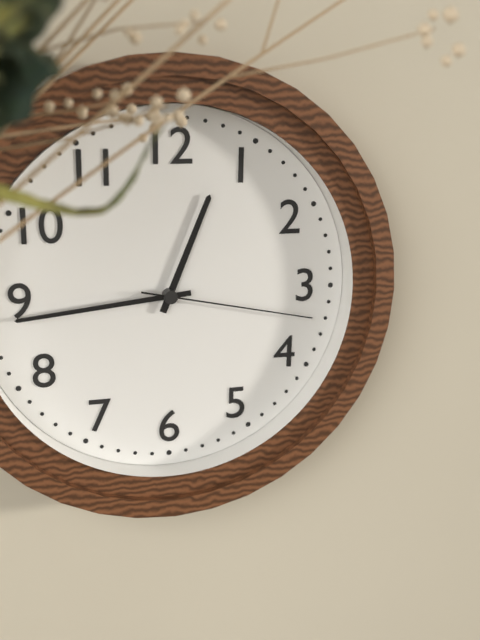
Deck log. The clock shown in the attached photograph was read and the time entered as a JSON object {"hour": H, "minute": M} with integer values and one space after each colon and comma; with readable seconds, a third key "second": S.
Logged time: {"hour": 12, "minute": 44, "second": 17}
